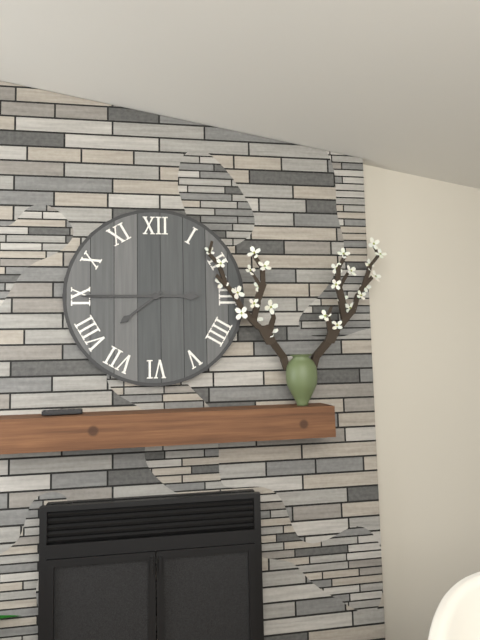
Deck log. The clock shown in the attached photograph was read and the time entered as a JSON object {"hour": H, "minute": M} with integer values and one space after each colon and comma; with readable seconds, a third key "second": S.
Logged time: {"hour": 7, "minute": 45}
